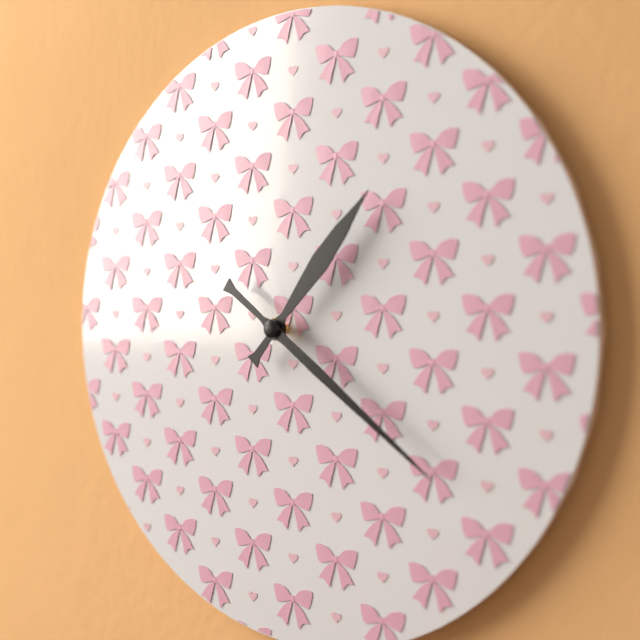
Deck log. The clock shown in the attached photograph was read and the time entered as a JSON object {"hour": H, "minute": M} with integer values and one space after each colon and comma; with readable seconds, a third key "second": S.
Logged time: {"hour": 1, "minute": 21}
